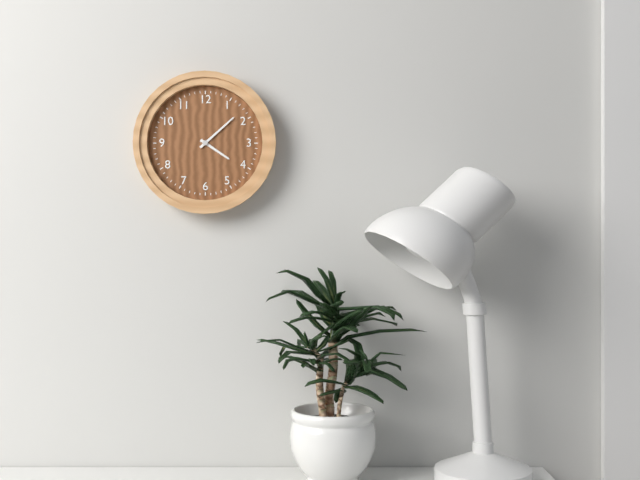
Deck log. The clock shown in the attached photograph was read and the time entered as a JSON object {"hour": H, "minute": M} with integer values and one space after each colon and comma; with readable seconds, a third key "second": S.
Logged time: {"hour": 4, "minute": 8}
